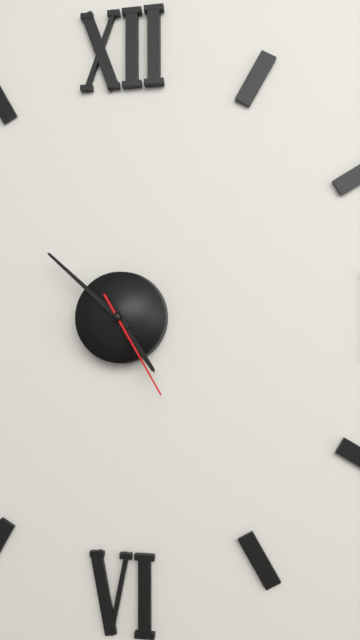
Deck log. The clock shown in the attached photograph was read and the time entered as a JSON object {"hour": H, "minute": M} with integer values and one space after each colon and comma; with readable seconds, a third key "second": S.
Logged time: {"hour": 4, "minute": 52, "second": 25}
